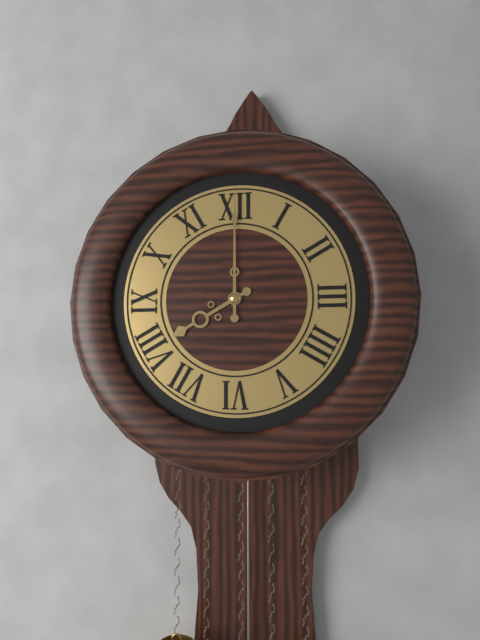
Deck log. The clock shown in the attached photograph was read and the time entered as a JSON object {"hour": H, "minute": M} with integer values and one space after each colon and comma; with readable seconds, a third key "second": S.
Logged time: {"hour": 8, "minute": 0}
